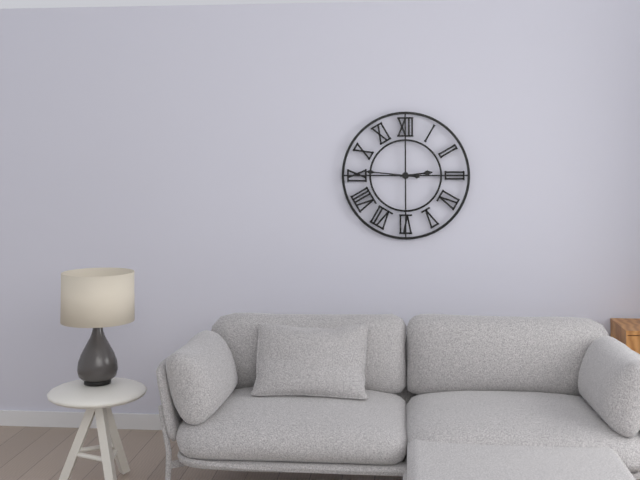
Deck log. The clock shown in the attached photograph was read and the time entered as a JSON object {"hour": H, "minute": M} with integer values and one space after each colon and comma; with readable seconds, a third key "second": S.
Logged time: {"hour": 2, "minute": 46}
